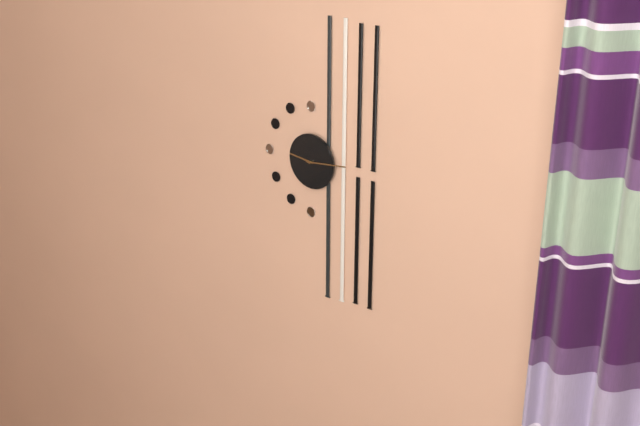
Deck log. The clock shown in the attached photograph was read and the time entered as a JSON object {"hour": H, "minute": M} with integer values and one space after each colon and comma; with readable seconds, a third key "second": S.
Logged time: {"hour": 9, "minute": 14}
